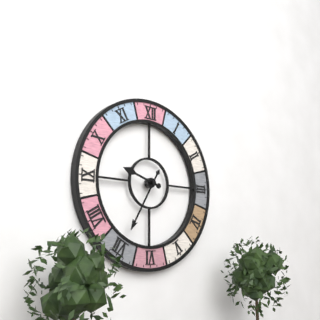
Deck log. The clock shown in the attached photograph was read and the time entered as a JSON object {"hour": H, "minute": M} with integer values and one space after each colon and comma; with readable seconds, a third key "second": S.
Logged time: {"hour": 9, "minute": 35}
